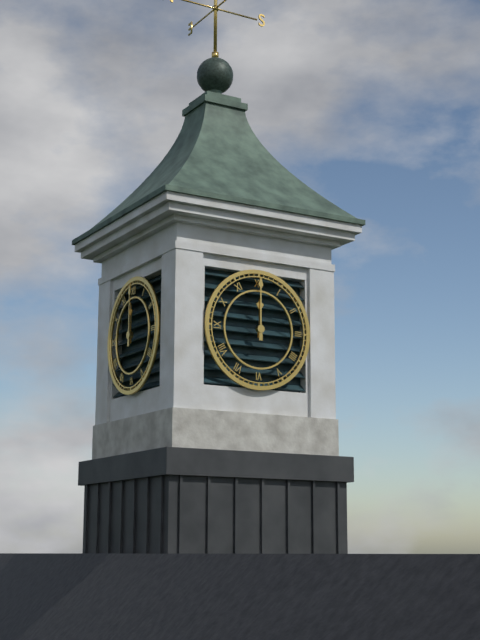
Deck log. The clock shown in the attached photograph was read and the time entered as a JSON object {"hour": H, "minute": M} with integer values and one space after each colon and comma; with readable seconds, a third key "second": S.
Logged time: {"hour": 12, "minute": 0}
